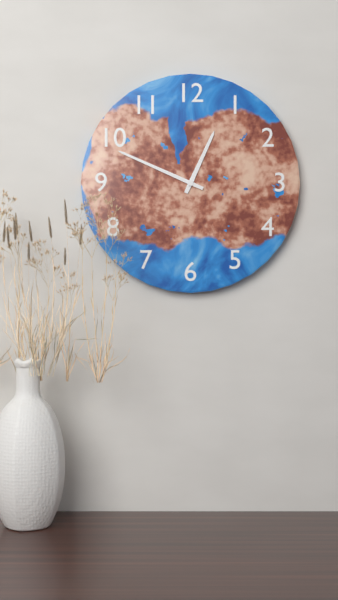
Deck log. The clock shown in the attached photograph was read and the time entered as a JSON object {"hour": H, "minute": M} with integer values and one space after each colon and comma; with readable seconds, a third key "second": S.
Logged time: {"hour": 12, "minute": 49}
